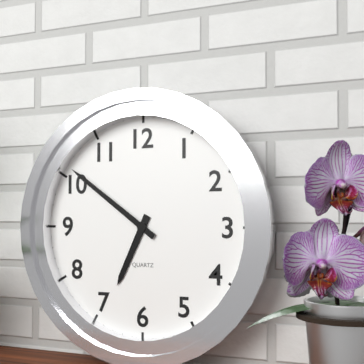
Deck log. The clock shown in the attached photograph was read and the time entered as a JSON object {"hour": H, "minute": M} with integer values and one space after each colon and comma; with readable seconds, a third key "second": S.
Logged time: {"hour": 6, "minute": 51}
